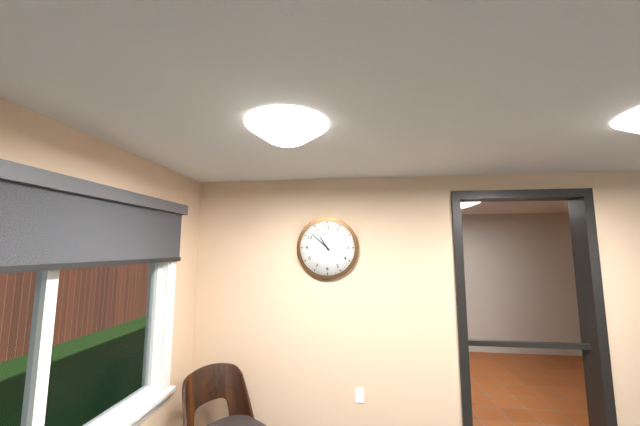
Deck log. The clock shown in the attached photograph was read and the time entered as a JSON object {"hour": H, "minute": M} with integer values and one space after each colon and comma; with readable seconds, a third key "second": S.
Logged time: {"hour": 10, "minute": 52}
